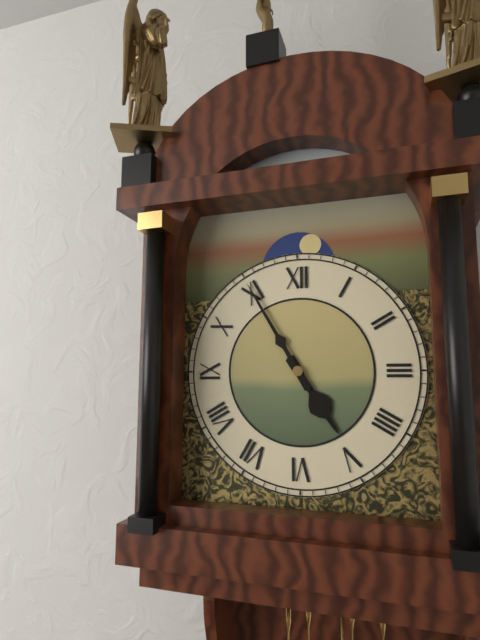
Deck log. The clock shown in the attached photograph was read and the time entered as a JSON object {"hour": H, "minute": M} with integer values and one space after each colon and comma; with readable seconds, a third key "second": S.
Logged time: {"hour": 4, "minute": 55}
